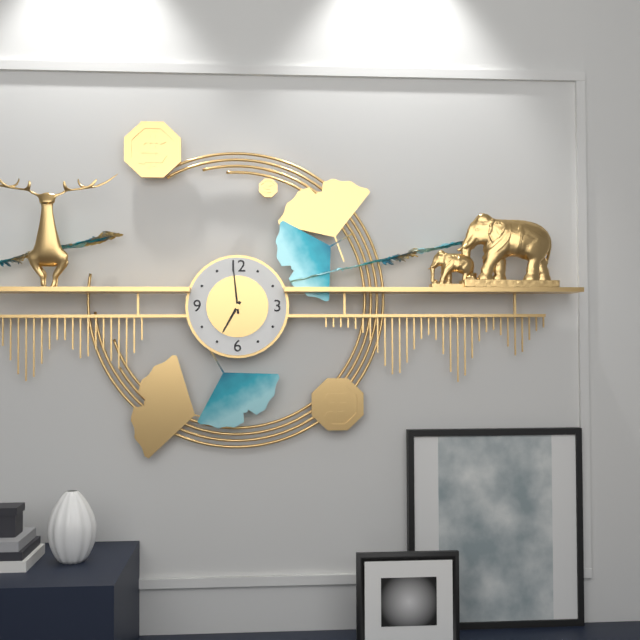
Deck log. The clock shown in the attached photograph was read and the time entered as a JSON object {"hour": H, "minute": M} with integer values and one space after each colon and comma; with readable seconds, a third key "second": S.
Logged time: {"hour": 6, "minute": 59}
